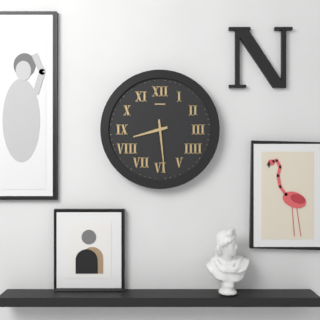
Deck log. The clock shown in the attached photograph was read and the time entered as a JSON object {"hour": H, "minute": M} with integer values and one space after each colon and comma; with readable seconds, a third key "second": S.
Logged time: {"hour": 8, "minute": 29}
